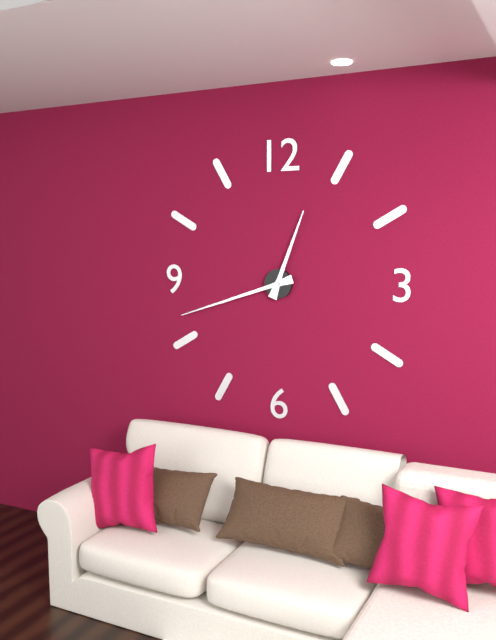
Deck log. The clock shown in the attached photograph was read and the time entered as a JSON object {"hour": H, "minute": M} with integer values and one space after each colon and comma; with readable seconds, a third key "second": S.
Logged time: {"hour": 12, "minute": 42}
